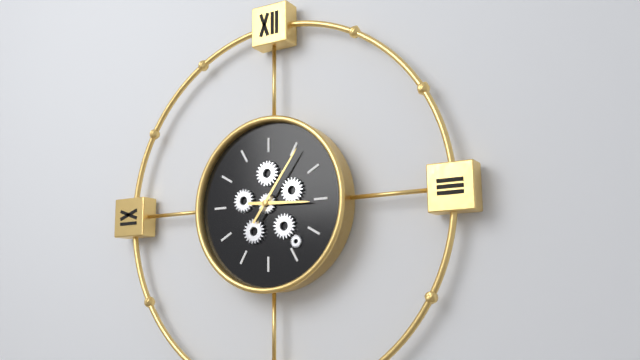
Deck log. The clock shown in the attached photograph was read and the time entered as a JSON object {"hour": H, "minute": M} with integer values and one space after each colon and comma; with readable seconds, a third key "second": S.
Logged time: {"hour": 3, "minute": 6}
